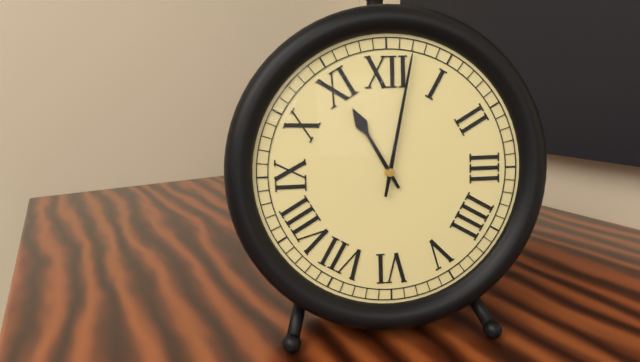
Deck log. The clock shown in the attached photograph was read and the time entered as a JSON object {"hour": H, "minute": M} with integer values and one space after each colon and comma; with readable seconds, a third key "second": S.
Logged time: {"hour": 11, "minute": 2}
